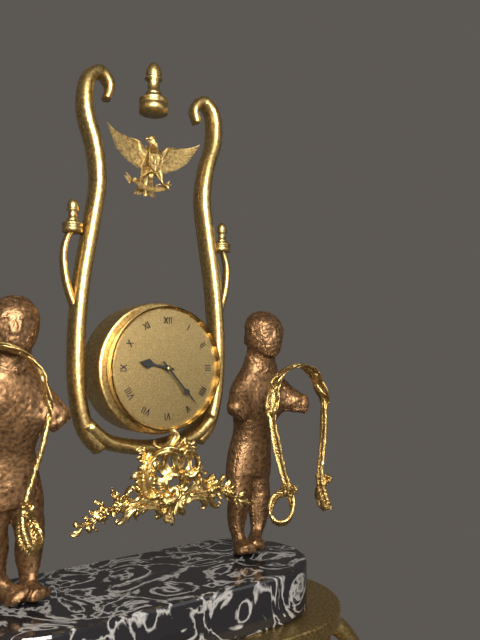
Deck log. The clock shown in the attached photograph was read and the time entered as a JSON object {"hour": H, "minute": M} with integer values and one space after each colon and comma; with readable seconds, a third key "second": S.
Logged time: {"hour": 9, "minute": 23}
